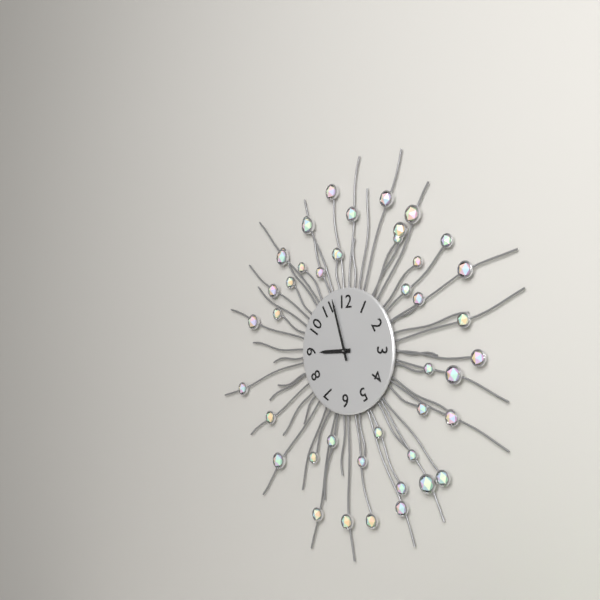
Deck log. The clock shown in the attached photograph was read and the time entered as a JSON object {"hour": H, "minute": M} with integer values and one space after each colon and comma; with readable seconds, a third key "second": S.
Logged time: {"hour": 8, "minute": 57}
